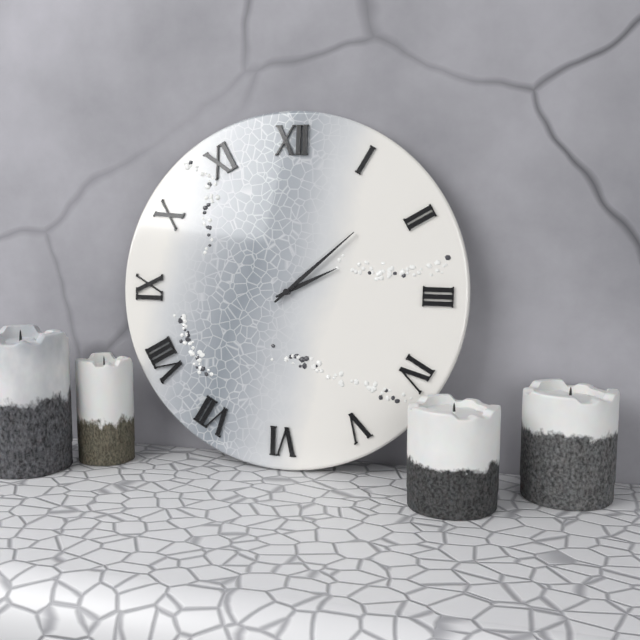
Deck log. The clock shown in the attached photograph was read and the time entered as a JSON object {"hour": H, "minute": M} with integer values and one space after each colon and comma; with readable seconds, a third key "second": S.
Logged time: {"hour": 2, "minute": 8}
